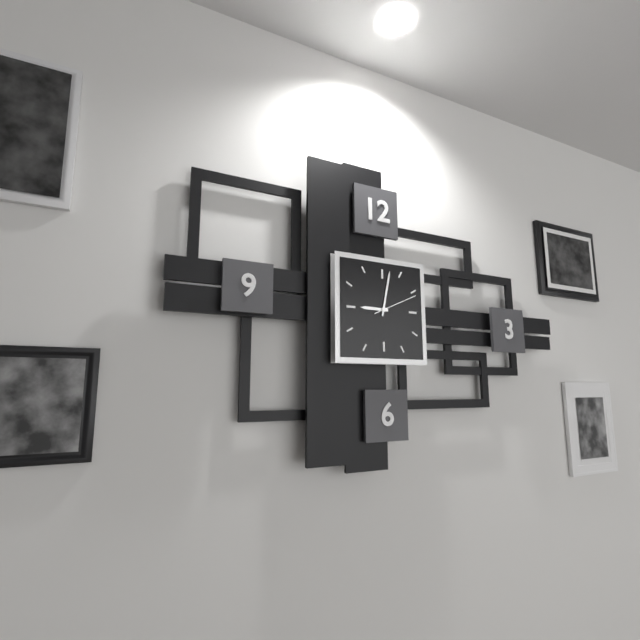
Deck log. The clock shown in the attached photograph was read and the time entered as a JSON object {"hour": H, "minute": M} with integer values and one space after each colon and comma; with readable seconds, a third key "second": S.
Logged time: {"hour": 9, "minute": 2}
